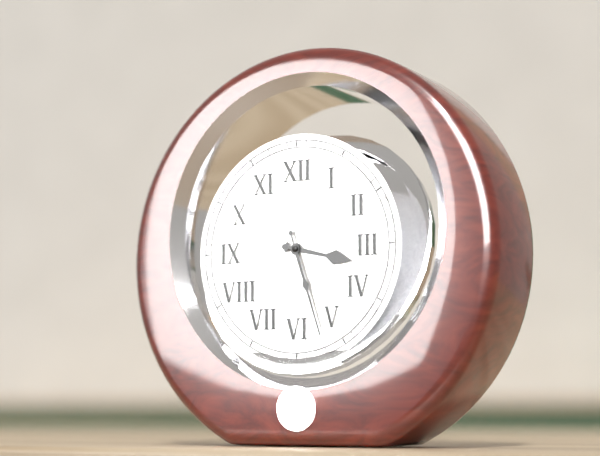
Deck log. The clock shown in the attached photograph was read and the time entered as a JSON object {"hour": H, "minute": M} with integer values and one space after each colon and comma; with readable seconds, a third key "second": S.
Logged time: {"hour": 3, "minute": 27}
